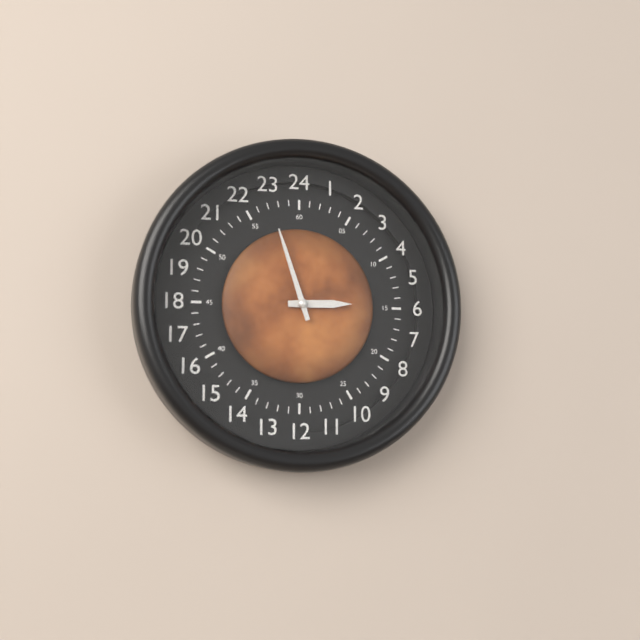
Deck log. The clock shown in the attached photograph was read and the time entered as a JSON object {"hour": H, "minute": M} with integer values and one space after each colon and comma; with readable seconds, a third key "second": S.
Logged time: {"hour": 2, "minute": 57}
